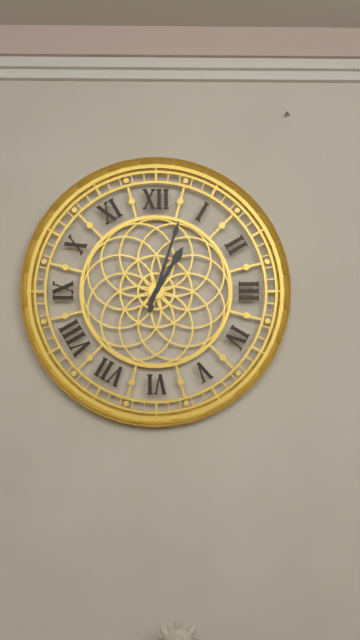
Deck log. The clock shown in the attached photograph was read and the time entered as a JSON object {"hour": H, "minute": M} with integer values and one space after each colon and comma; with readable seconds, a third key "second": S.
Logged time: {"hour": 1, "minute": 3}
